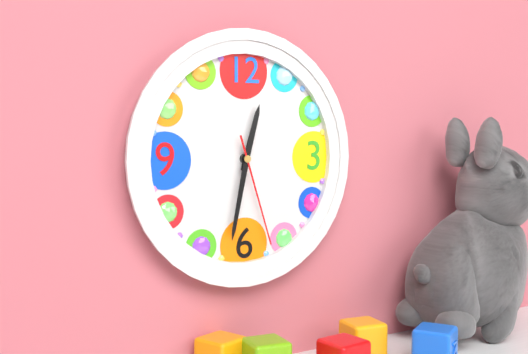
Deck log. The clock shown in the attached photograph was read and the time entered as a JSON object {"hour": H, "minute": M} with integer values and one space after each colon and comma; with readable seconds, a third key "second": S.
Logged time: {"hour": 12, "minute": 32, "second": 27}
